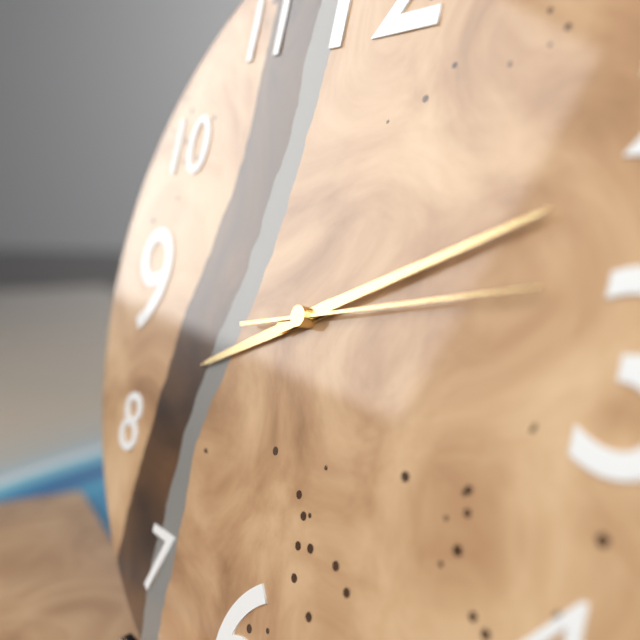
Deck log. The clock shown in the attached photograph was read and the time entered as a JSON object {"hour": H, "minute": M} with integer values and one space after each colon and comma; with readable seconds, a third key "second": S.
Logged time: {"hour": 8, "minute": 11, "second": 13}
